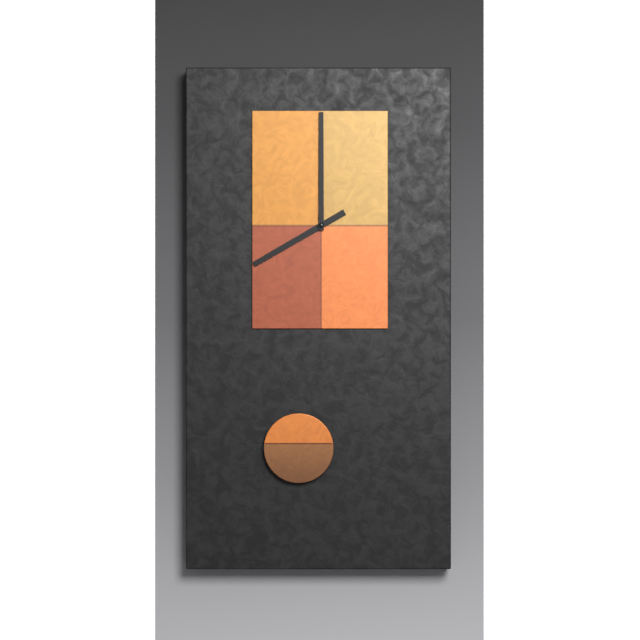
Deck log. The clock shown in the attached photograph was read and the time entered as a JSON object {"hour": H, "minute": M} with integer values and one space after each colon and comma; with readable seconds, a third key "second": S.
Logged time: {"hour": 8, "minute": 0}
